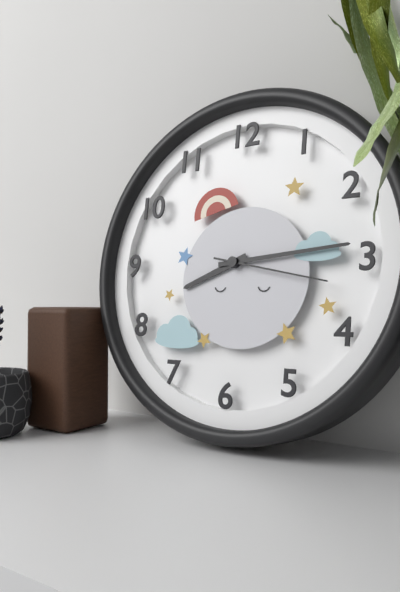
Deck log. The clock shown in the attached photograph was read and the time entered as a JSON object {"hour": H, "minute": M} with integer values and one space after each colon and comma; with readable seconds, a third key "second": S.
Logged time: {"hour": 8, "minute": 14, "second": 17}
